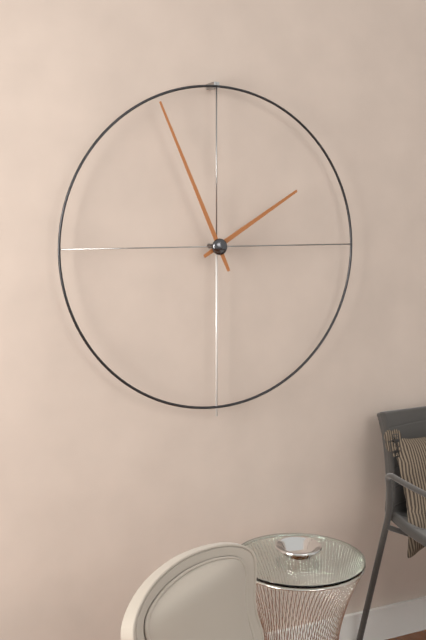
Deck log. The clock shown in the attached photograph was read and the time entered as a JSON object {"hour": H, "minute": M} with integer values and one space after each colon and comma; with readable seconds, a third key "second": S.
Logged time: {"hour": 1, "minute": 56}
